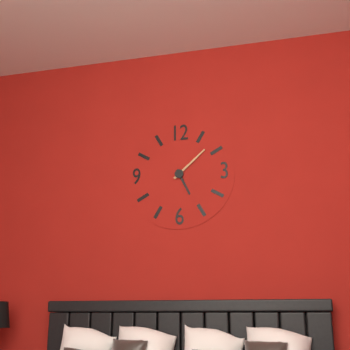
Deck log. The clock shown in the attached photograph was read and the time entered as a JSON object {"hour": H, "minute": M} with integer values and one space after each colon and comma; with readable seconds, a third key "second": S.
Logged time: {"hour": 5, "minute": 8}
